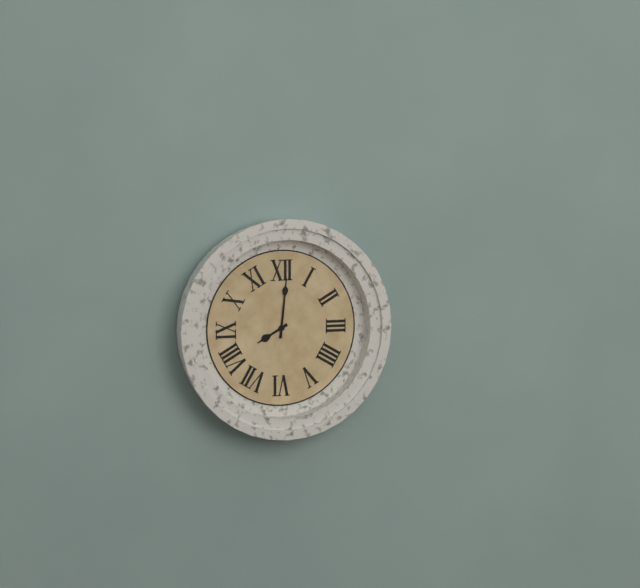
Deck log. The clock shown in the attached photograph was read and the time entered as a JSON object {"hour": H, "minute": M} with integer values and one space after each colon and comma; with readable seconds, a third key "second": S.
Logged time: {"hour": 8, "minute": 1}
